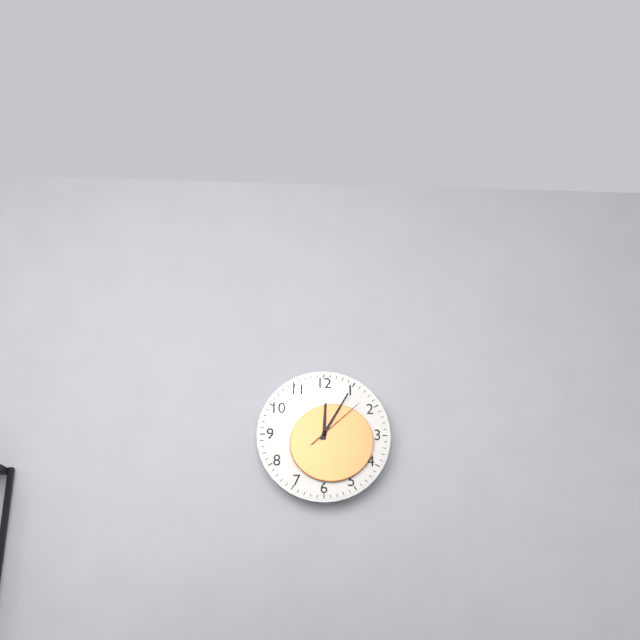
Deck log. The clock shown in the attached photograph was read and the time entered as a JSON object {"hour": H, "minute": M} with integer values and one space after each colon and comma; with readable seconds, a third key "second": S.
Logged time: {"hour": 12, "minute": 5, "second": 8}
